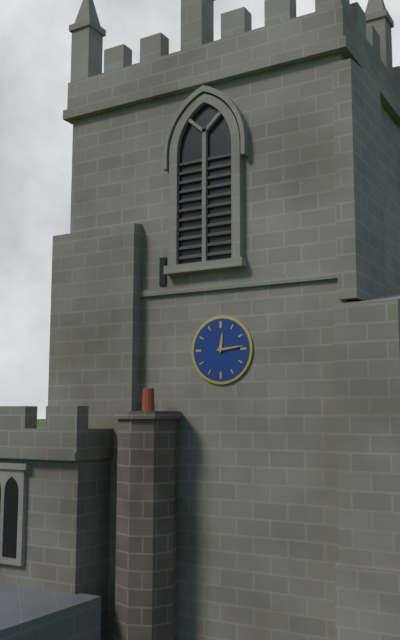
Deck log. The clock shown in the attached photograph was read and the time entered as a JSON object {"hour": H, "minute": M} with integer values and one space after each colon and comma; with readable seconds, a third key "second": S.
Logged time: {"hour": 12, "minute": 14}
